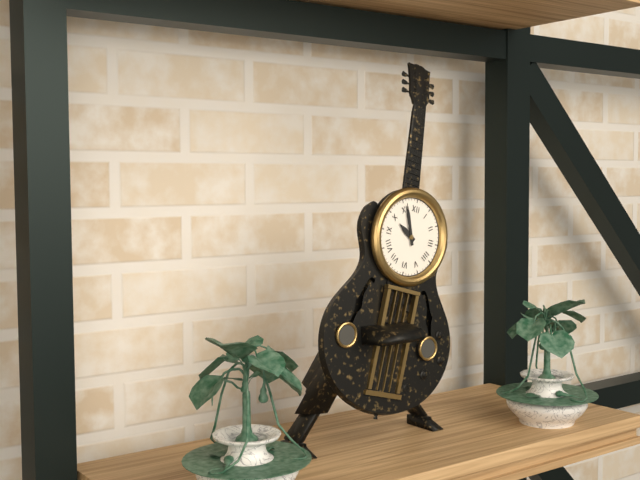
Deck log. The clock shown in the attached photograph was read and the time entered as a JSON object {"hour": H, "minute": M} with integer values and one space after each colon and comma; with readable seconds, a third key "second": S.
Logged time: {"hour": 9, "minute": 56}
